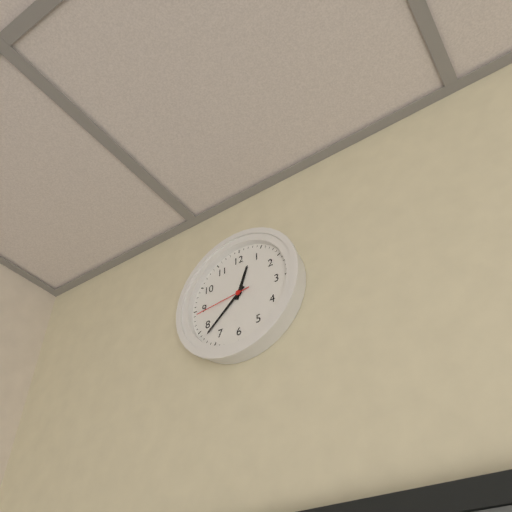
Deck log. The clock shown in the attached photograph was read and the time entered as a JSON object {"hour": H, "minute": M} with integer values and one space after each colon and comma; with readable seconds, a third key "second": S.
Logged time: {"hour": 12, "minute": 38, "second": 44}
